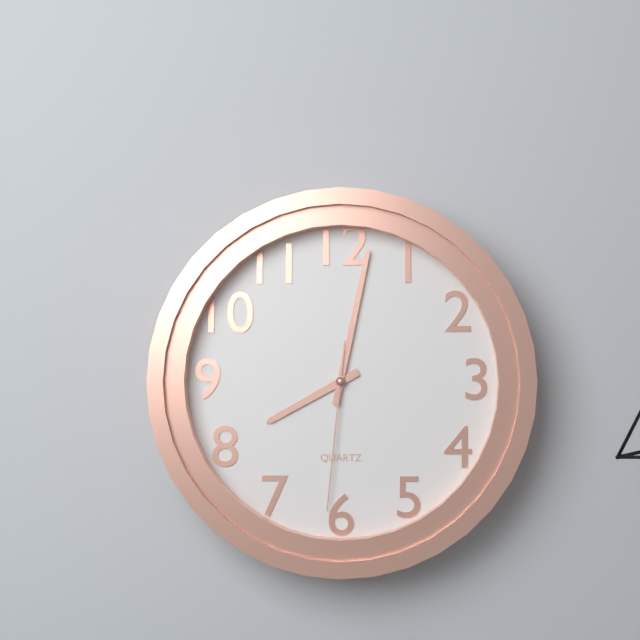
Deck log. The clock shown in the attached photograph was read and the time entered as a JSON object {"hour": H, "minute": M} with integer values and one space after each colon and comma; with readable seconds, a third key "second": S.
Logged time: {"hour": 8, "minute": 2, "second": 31}
